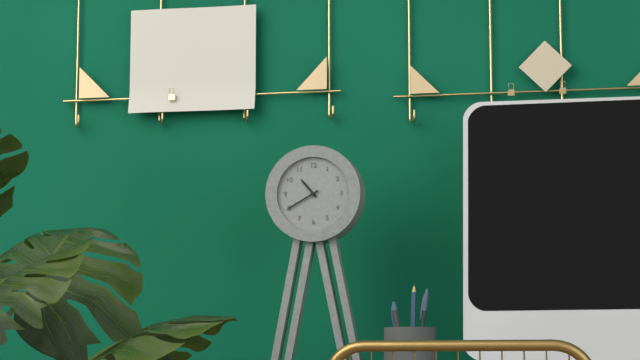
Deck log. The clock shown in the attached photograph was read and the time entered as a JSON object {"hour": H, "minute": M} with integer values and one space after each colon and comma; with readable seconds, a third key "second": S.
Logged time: {"hour": 10, "minute": 40}
